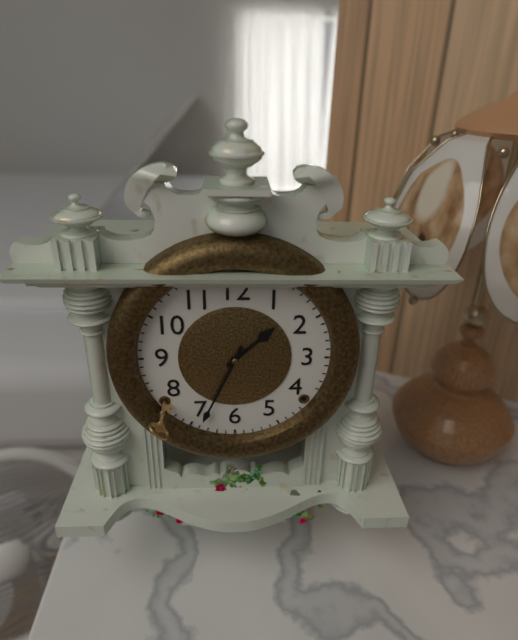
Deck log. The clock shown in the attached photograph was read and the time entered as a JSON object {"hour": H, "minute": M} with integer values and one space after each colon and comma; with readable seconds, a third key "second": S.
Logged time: {"hour": 1, "minute": 34}
